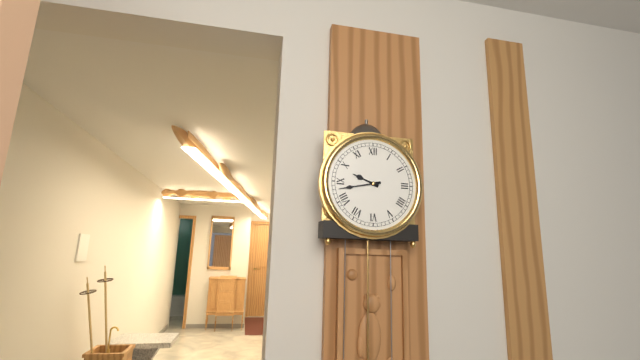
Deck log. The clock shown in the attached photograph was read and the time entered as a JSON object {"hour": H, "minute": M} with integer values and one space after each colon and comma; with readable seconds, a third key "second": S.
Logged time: {"hour": 9, "minute": 43}
